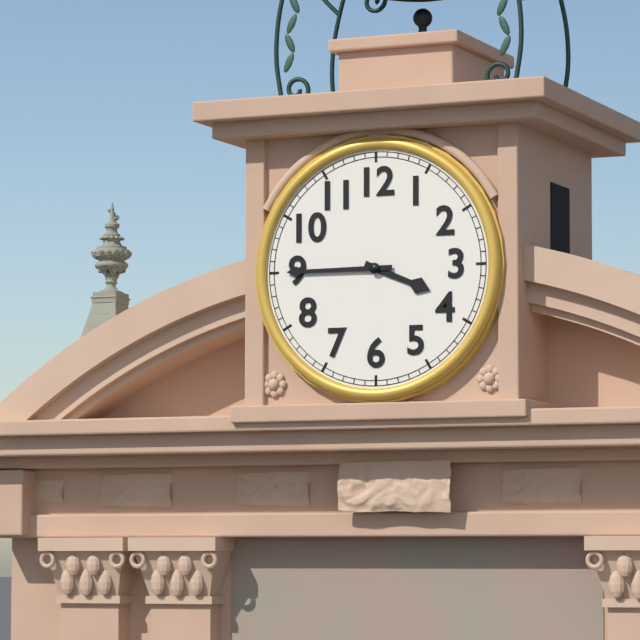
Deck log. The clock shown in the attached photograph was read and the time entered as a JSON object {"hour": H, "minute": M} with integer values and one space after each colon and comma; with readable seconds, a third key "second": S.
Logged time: {"hour": 3, "minute": 45}
